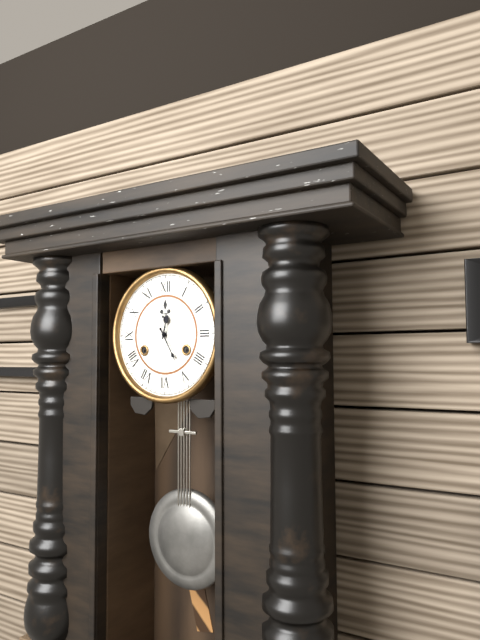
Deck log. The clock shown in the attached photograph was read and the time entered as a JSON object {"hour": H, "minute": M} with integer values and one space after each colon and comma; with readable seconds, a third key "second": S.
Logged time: {"hour": 12, "minute": 25}
